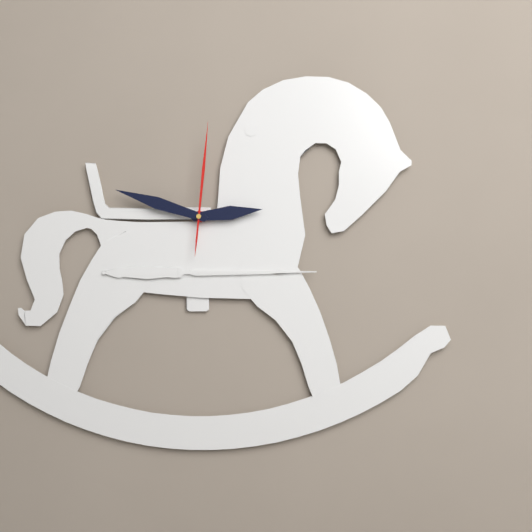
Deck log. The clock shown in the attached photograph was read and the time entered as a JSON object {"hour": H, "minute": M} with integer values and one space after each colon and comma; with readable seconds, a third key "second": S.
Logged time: {"hour": 2, "minute": 48, "second": 1}
